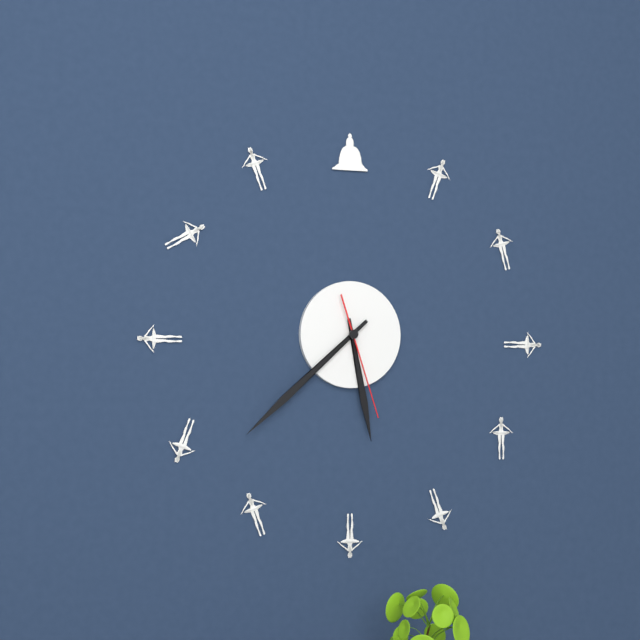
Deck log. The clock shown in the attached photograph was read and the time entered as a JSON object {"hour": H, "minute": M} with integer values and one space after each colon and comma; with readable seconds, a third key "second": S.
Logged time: {"hour": 5, "minute": 38, "second": 27}
